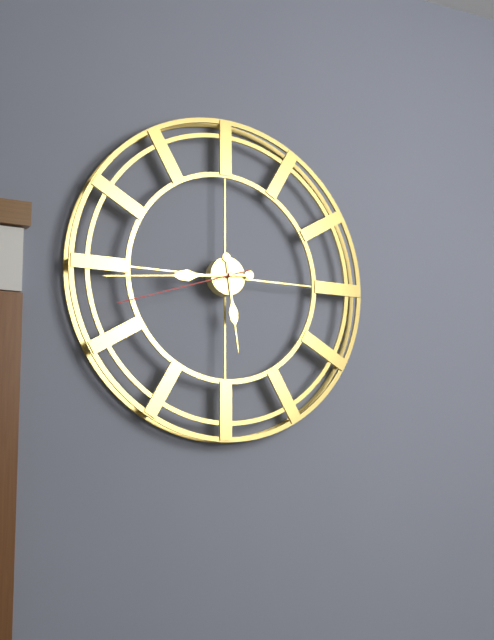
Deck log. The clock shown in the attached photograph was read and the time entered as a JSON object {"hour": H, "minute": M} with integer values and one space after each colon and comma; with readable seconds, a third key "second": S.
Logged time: {"hour": 5, "minute": 44, "second": 42}
